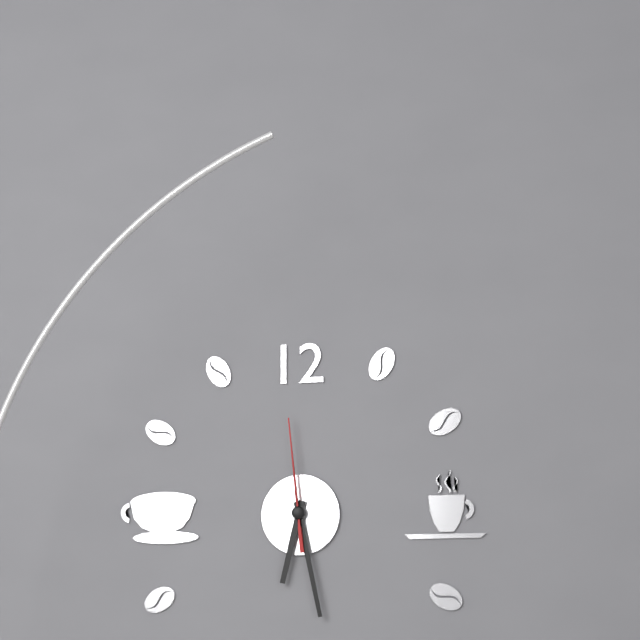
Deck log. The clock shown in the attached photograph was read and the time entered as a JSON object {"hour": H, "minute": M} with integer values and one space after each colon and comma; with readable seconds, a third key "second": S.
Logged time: {"hour": 6, "minute": 28, "second": 59}
